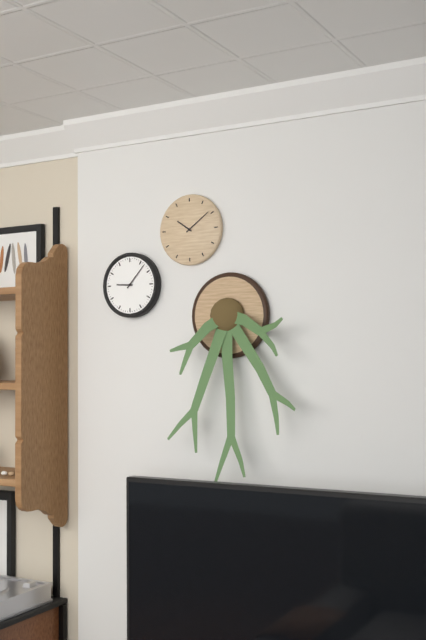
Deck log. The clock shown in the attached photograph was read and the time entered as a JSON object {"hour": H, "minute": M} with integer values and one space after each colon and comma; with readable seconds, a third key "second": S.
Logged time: {"hour": 9, "minute": 7}
